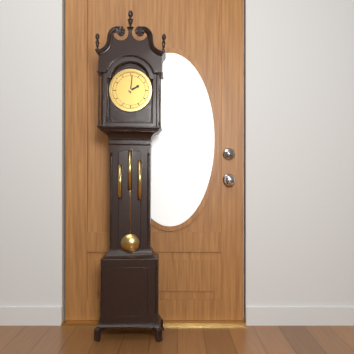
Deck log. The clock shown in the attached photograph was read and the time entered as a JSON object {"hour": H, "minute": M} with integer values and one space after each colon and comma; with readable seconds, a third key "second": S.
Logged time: {"hour": 2, "minute": 1}
